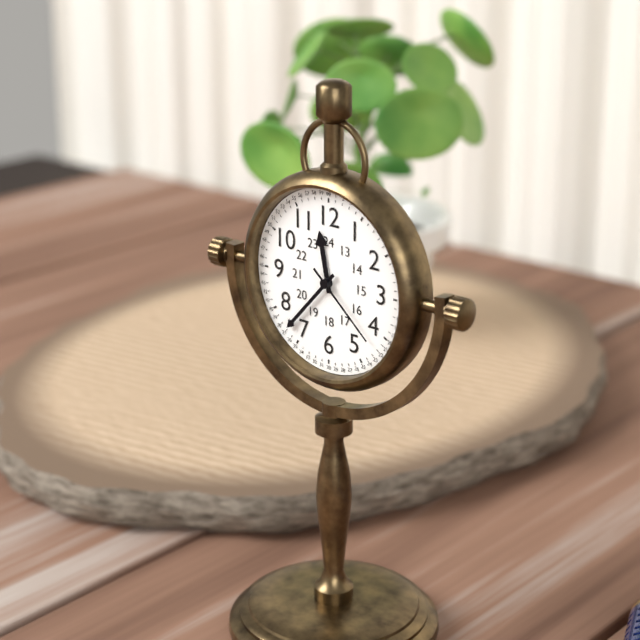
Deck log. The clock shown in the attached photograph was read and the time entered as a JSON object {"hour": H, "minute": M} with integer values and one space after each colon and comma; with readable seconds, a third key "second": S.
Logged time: {"hour": 11, "minute": 37, "second": 22}
